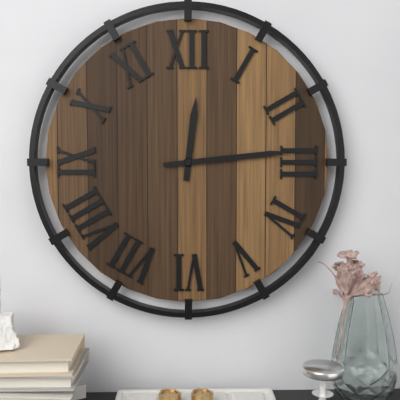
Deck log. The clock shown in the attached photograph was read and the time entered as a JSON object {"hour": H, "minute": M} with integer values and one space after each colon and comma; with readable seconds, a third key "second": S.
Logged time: {"hour": 12, "minute": 14}
